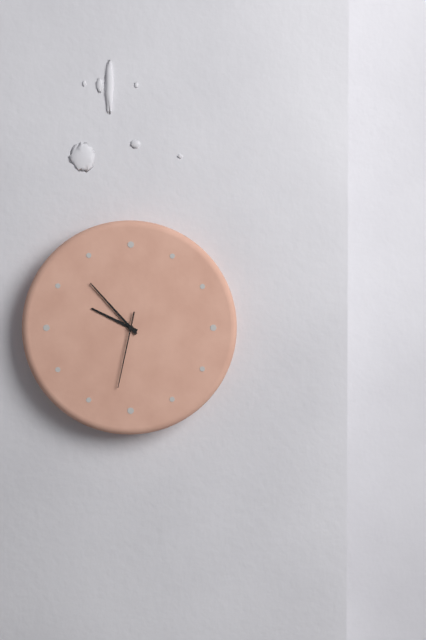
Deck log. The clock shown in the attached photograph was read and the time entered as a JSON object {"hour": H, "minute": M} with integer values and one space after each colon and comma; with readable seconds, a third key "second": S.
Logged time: {"hour": 9, "minute": 53, "second": 32}
